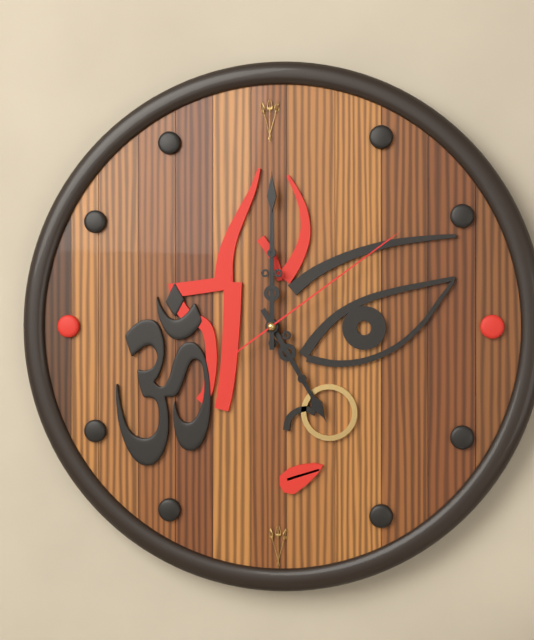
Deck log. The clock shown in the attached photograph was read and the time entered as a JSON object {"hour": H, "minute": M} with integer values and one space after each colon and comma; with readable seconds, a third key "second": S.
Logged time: {"hour": 5, "minute": 0, "second": 9}
